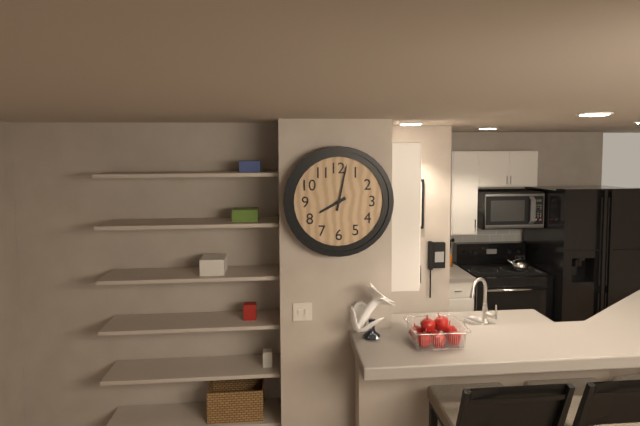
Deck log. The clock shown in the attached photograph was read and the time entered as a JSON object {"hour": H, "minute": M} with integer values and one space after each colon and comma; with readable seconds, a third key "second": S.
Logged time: {"hour": 8, "minute": 2}
